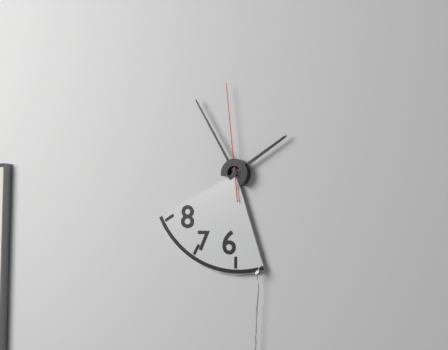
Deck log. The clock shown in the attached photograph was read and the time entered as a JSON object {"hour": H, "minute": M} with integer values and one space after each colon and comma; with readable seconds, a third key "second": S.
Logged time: {"hour": 1, "minute": 55, "second": 59}
